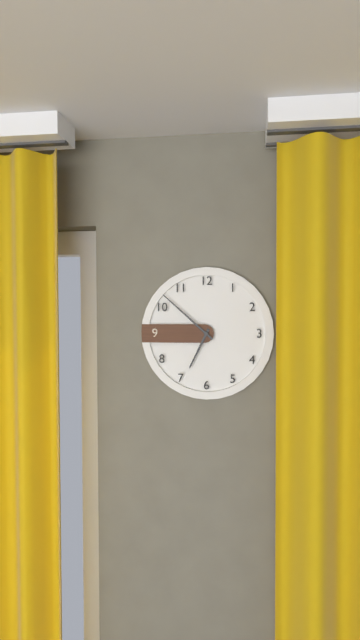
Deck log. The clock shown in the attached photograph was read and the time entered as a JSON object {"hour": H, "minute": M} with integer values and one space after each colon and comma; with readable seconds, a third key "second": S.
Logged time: {"hour": 6, "minute": 52}
